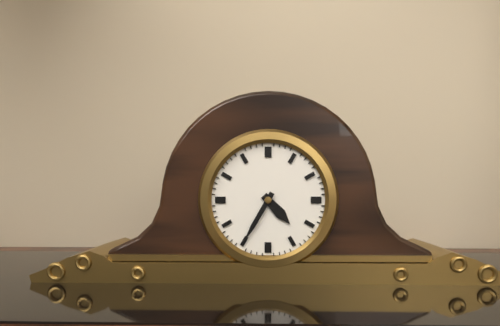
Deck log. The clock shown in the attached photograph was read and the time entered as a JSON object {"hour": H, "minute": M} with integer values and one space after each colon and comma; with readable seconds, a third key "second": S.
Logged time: {"hour": 4, "minute": 35}
